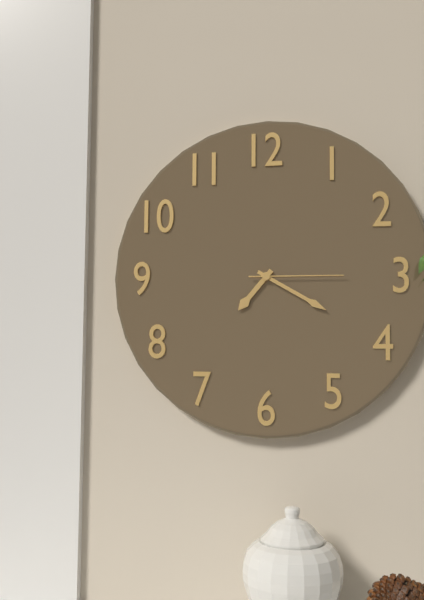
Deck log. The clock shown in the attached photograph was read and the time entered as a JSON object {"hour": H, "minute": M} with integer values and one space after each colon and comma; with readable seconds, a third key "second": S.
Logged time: {"hour": 7, "minute": 20, "second": 15}
